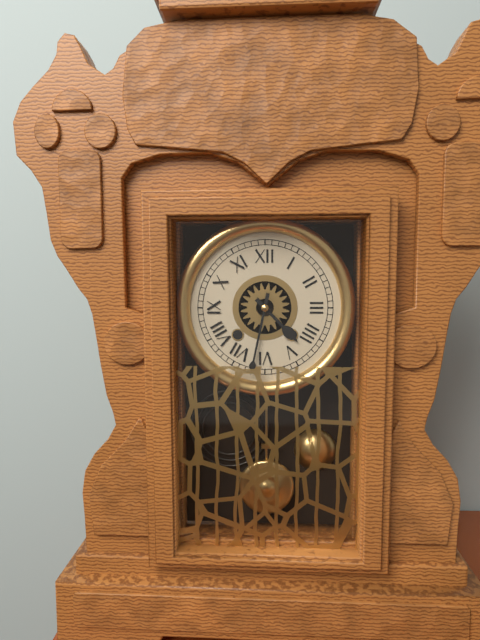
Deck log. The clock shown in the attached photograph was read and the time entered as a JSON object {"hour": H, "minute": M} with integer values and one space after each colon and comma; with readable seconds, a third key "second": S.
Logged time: {"hour": 4, "minute": 32}
